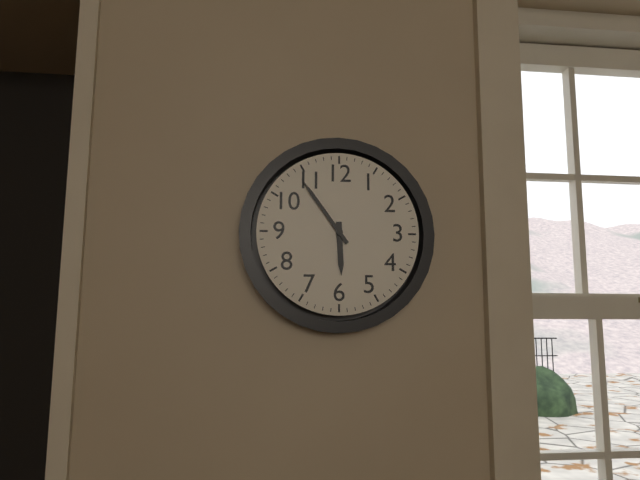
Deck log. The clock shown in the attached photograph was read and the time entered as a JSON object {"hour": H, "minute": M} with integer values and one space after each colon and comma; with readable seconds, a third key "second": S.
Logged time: {"hour": 5, "minute": 54}
